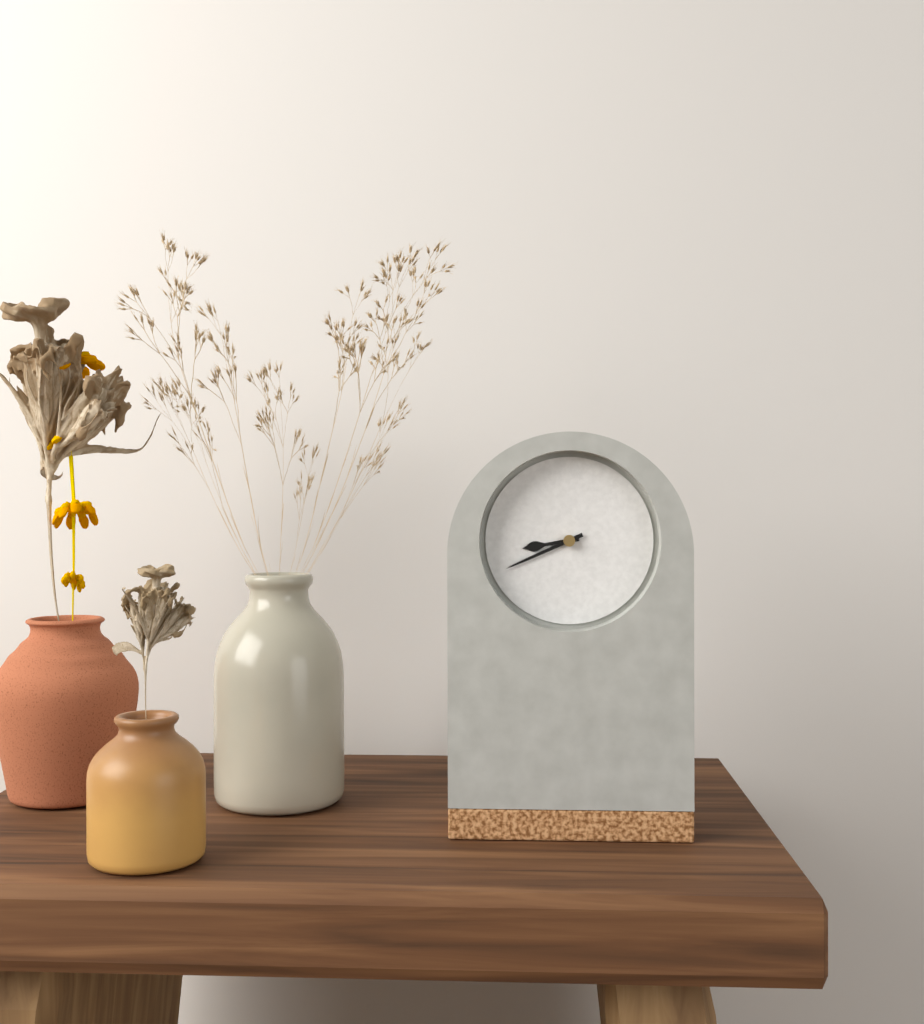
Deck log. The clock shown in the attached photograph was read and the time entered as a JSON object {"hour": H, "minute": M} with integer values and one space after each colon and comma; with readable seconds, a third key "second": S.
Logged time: {"hour": 8, "minute": 41}
